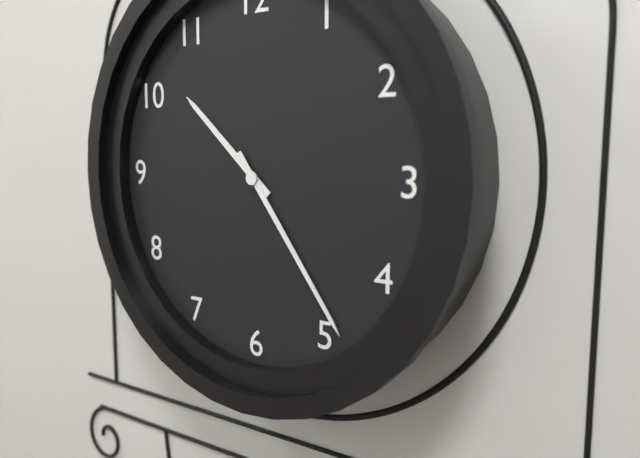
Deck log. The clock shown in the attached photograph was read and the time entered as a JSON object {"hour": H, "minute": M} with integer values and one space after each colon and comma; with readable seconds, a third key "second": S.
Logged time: {"hour": 10, "minute": 24}
